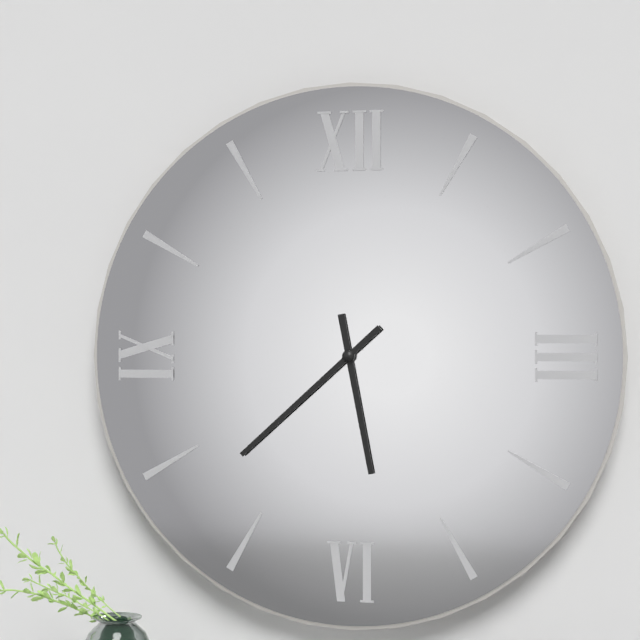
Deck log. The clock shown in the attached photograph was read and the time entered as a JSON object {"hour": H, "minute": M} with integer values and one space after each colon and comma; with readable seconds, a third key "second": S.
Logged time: {"hour": 5, "minute": 38}
